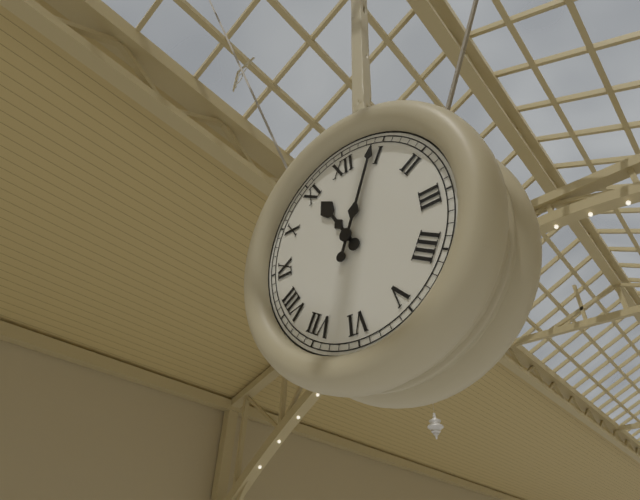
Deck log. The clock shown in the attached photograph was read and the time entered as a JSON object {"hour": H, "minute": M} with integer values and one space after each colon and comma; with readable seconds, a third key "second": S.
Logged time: {"hour": 11, "minute": 4}
